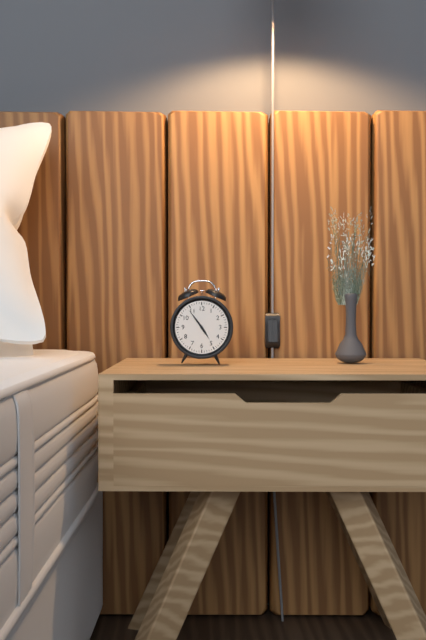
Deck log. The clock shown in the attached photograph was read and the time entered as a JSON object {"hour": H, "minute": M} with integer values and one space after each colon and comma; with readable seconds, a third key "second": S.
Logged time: {"hour": 4, "minute": 54}
